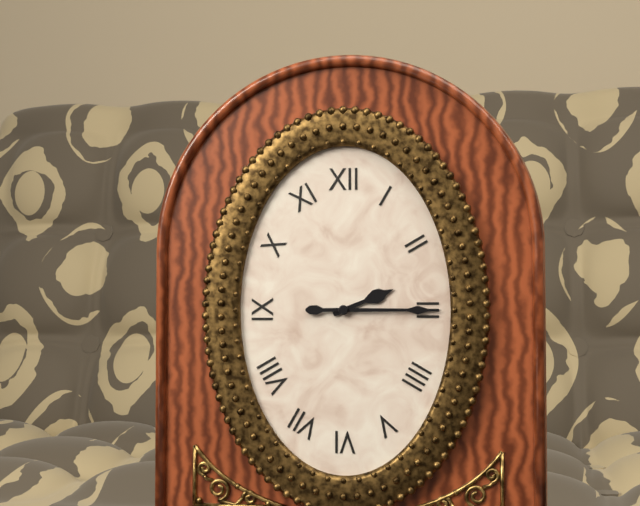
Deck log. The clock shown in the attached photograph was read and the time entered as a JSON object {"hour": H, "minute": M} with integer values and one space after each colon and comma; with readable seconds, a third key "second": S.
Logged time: {"hour": 2, "minute": 15}
